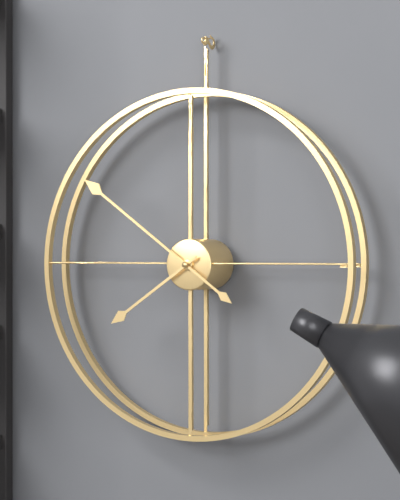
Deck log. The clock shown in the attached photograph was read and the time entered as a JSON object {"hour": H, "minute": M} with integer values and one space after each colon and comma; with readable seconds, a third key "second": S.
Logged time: {"hour": 7, "minute": 51}
